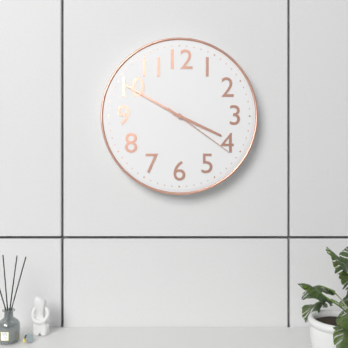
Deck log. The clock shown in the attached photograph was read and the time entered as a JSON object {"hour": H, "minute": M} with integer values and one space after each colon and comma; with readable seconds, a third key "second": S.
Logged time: {"hour": 3, "minute": 50, "second": 21}
